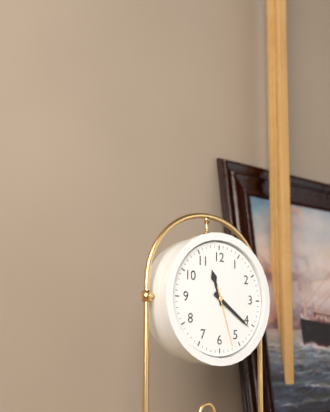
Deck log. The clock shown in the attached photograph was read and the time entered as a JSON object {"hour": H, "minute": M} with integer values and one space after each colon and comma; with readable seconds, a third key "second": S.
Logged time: {"hour": 11, "minute": 21, "second": 27}
